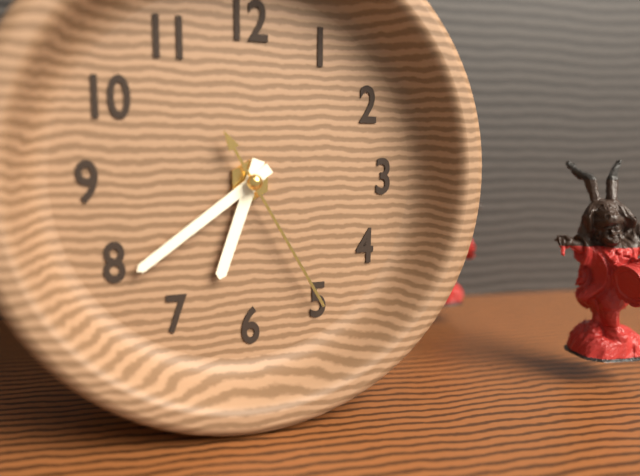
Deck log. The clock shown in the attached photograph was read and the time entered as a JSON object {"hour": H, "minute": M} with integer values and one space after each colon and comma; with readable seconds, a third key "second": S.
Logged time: {"hour": 6, "minute": 39, "second": 25}
